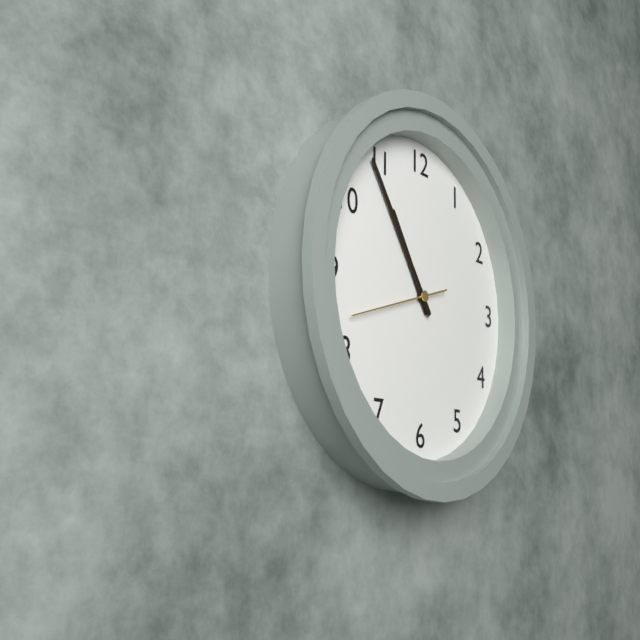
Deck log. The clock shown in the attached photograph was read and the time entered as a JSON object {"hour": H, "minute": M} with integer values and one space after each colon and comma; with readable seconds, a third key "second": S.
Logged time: {"hour": 10, "minute": 54, "second": 42}
